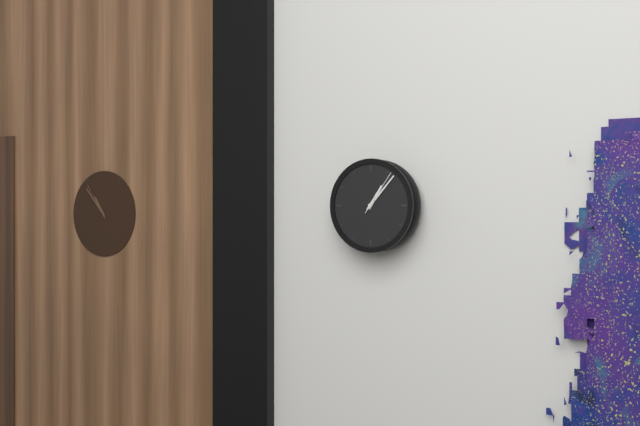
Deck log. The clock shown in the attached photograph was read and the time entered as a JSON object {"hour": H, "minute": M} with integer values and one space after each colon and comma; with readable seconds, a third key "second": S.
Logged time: {"hour": 1, "minute": 7}
